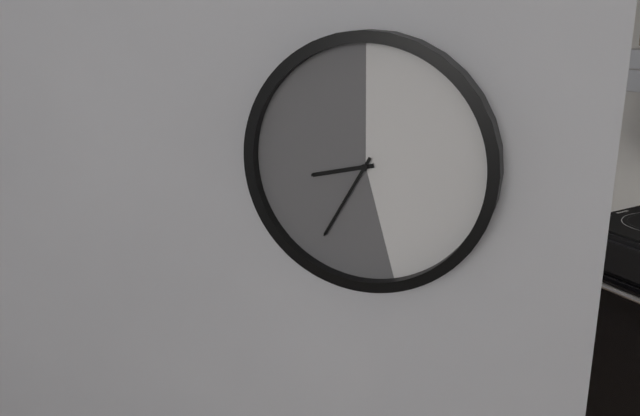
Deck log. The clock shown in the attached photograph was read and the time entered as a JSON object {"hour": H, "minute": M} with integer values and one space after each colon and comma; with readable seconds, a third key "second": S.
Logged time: {"hour": 8, "minute": 35}
